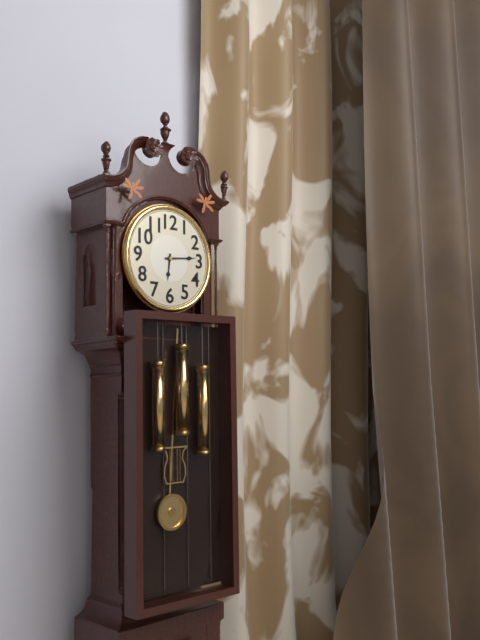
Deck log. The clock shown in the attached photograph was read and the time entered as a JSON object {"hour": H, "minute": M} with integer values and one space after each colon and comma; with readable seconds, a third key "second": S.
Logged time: {"hour": 6, "minute": 14}
